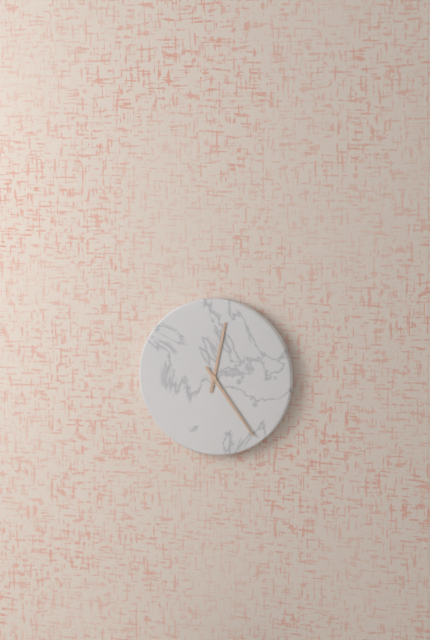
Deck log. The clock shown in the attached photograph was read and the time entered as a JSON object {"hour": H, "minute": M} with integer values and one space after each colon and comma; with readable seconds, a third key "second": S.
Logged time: {"hour": 12, "minute": 24}
